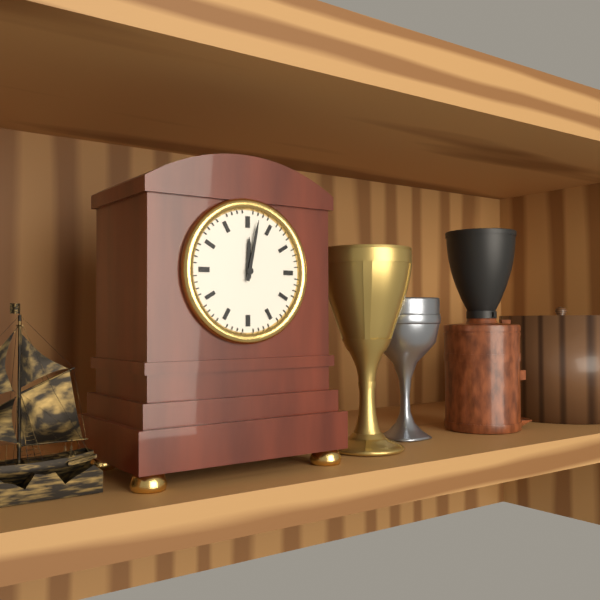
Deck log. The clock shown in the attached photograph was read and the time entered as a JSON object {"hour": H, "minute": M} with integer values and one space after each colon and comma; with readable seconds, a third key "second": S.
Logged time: {"hour": 12, "minute": 2}
